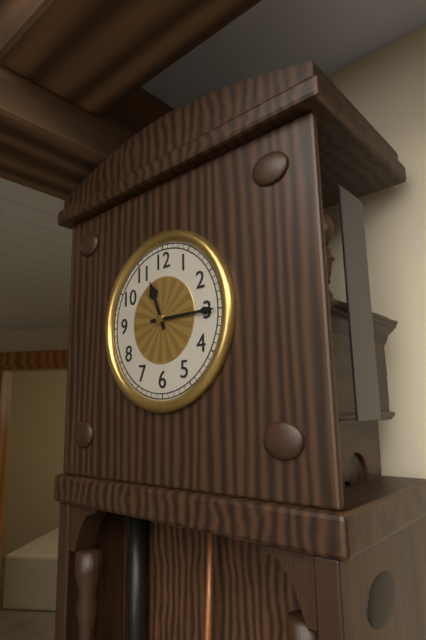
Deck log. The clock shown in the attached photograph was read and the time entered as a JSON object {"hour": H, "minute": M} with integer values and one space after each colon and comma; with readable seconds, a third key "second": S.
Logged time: {"hour": 11, "minute": 15}
